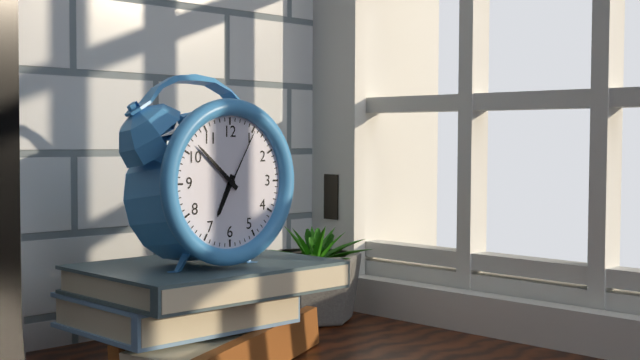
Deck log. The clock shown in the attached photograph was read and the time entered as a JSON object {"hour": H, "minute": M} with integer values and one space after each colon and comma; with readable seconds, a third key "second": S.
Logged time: {"hour": 6, "minute": 52, "second": 5}
